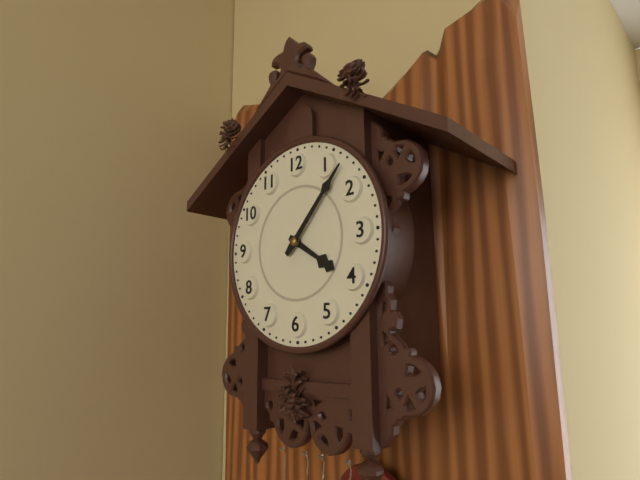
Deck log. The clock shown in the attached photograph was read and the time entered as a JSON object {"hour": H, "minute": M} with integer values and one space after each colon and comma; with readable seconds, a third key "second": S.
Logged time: {"hour": 4, "minute": 7}
